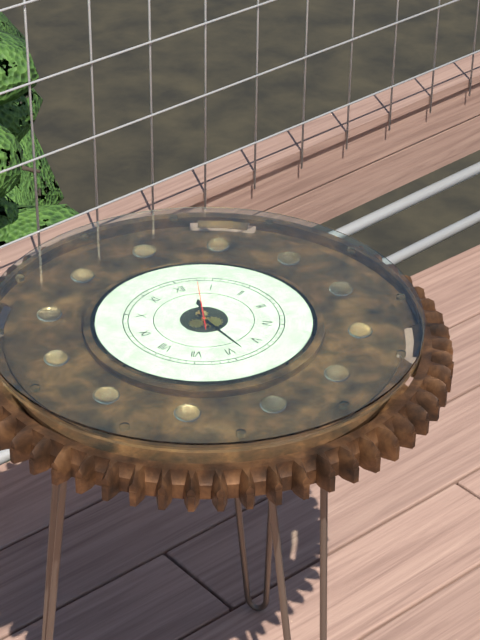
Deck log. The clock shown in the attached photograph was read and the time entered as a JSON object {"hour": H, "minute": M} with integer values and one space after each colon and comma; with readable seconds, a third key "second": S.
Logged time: {"hour": 12, "minute": 28}
